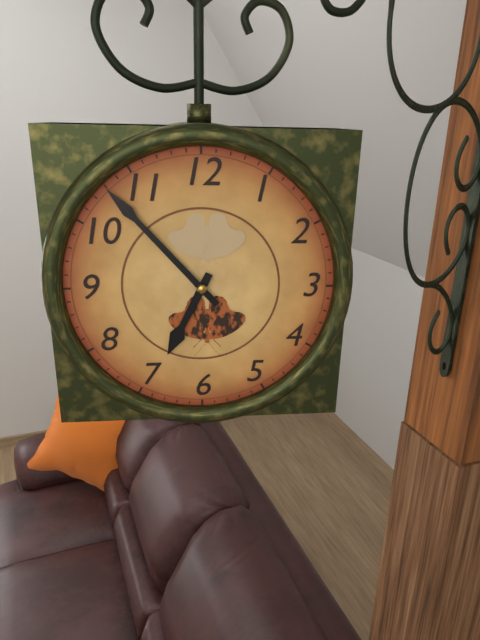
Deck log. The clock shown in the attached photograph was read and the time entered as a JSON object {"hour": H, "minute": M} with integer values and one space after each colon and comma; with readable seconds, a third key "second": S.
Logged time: {"hour": 6, "minute": 53}
